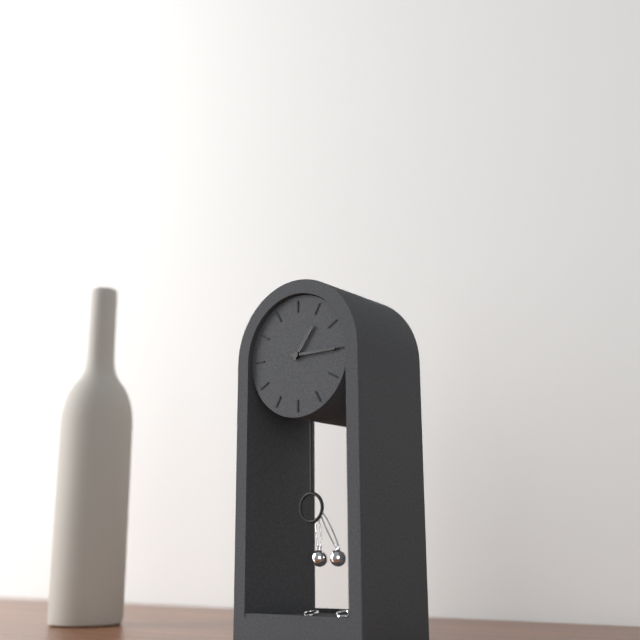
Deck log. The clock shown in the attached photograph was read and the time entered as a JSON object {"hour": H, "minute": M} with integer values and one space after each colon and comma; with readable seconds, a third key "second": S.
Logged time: {"hour": 1, "minute": 15}
